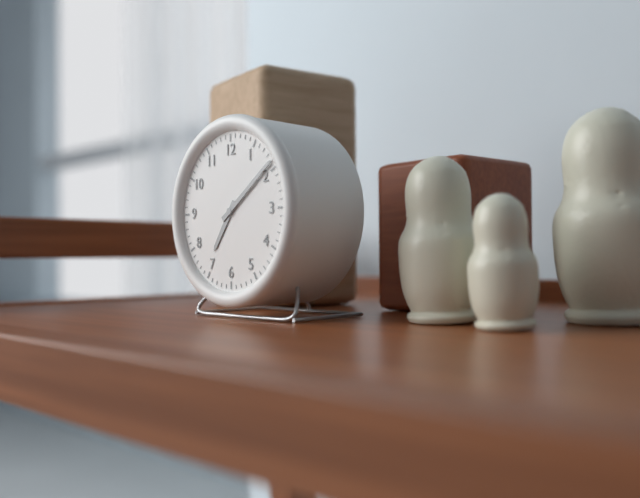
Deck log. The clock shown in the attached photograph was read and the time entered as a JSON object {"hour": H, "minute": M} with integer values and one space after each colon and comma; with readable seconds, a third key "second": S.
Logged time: {"hour": 7, "minute": 9}
